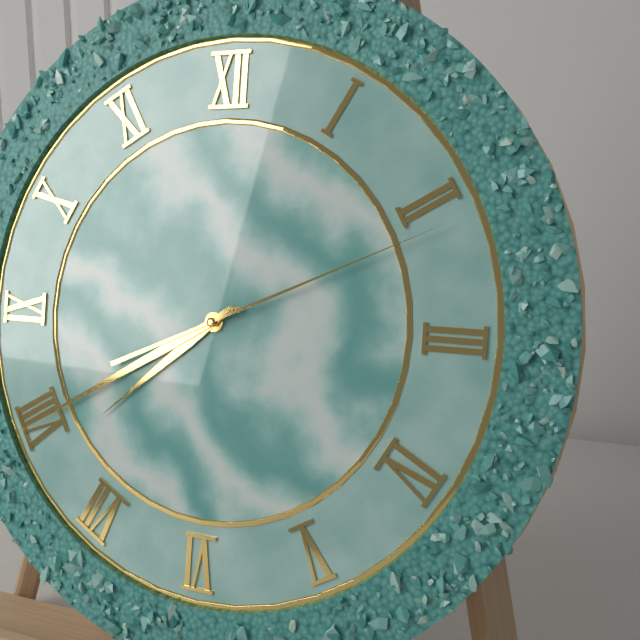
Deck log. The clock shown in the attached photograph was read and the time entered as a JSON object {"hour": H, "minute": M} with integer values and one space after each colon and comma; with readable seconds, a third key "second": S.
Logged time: {"hour": 7, "minute": 40, "second": 11}
